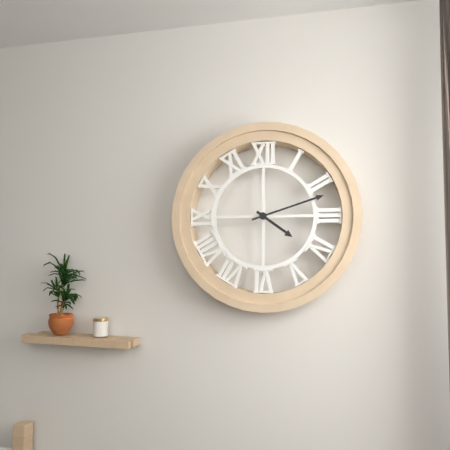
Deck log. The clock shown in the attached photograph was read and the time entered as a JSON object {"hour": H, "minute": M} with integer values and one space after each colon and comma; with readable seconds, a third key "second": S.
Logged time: {"hour": 4, "minute": 12}
